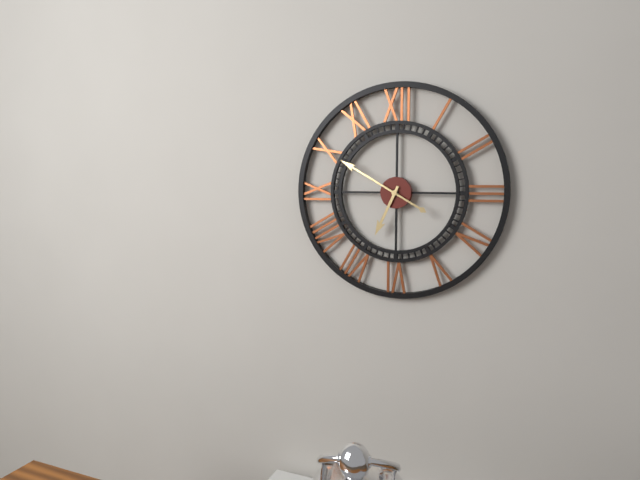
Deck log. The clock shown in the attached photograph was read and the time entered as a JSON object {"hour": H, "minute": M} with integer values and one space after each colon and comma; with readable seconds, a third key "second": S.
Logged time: {"hour": 6, "minute": 50}
